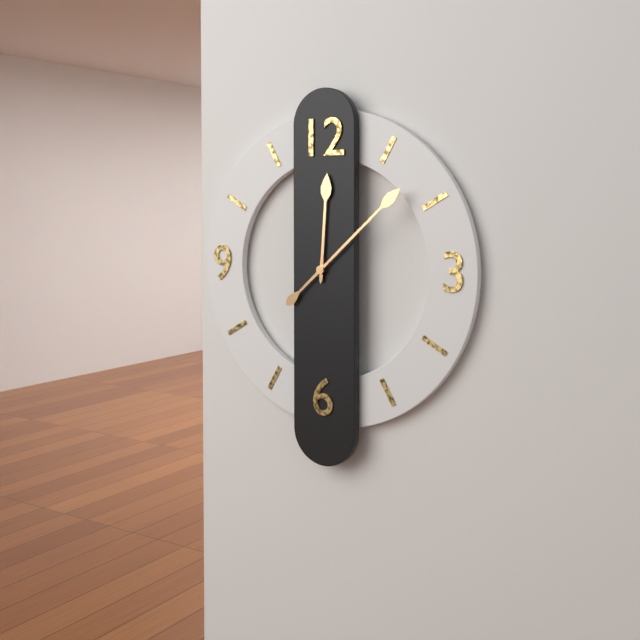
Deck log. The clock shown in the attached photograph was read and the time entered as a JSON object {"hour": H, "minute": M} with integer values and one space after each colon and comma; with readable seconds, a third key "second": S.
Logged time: {"hour": 12, "minute": 8}
